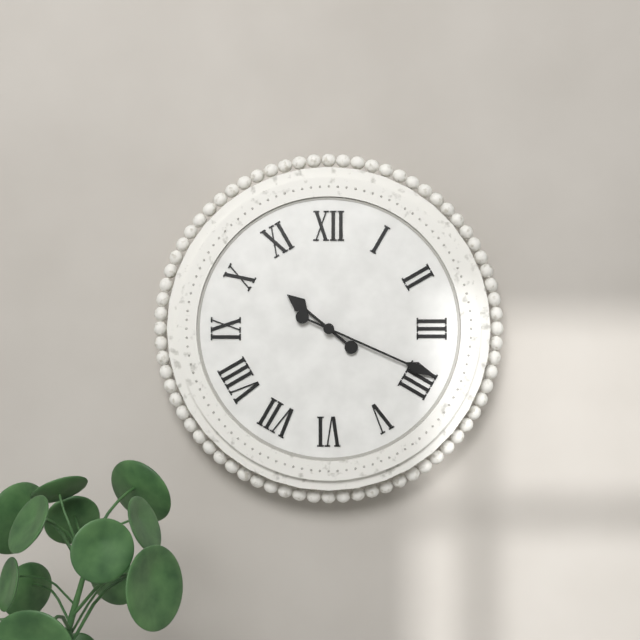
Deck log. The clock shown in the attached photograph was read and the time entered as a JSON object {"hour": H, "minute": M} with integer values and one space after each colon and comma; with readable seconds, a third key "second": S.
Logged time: {"hour": 10, "minute": 19}
